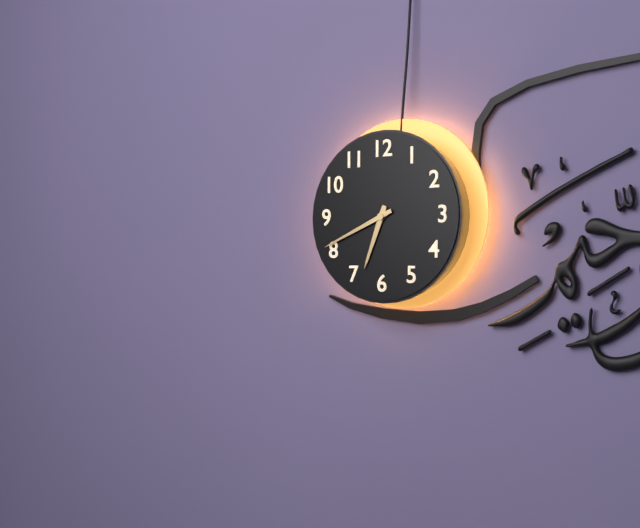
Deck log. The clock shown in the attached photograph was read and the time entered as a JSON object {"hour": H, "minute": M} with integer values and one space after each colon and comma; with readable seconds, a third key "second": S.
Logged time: {"hour": 6, "minute": 41}
